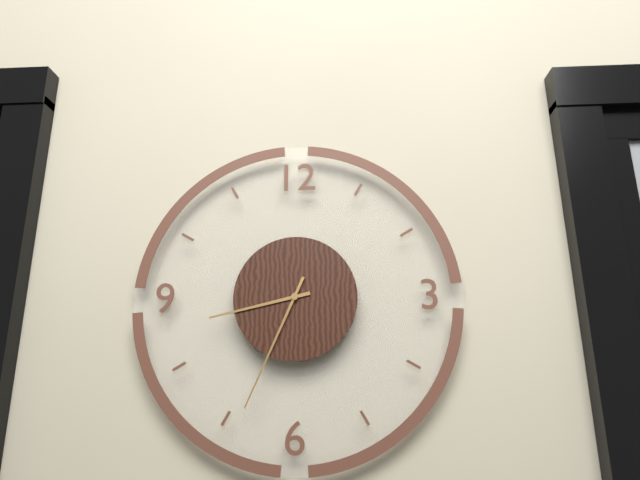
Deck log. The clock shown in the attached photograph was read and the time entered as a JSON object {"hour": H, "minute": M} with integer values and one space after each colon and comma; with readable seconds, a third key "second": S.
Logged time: {"hour": 8, "minute": 34}
